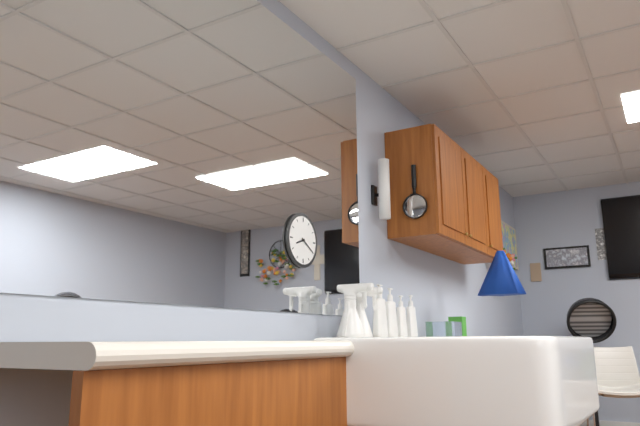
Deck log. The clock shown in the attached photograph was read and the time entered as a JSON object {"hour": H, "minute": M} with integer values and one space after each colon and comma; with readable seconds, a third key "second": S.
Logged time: {"hour": 8, "minute": 20}
